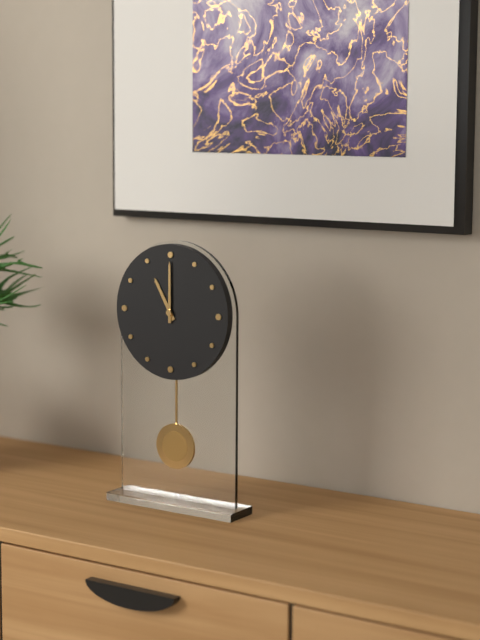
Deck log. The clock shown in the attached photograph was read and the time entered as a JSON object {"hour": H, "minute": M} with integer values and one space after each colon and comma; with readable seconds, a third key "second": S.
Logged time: {"hour": 11, "minute": 0}
